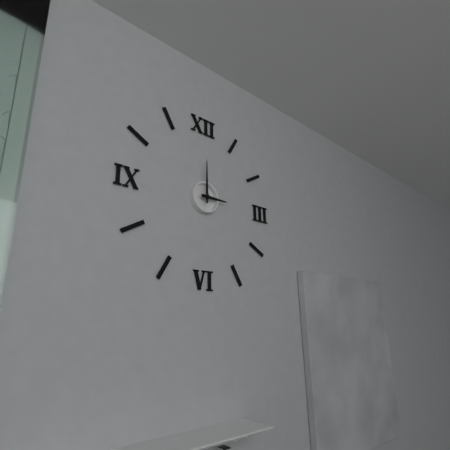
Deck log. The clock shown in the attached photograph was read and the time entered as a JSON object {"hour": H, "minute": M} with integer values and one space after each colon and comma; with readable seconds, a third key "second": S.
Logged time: {"hour": 3, "minute": 0}
